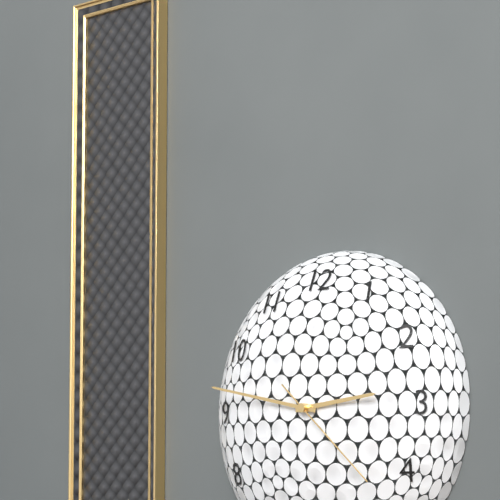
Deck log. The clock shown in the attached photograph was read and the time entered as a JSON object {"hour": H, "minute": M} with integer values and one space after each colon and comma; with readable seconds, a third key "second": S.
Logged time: {"hour": 2, "minute": 47, "second": 22}
